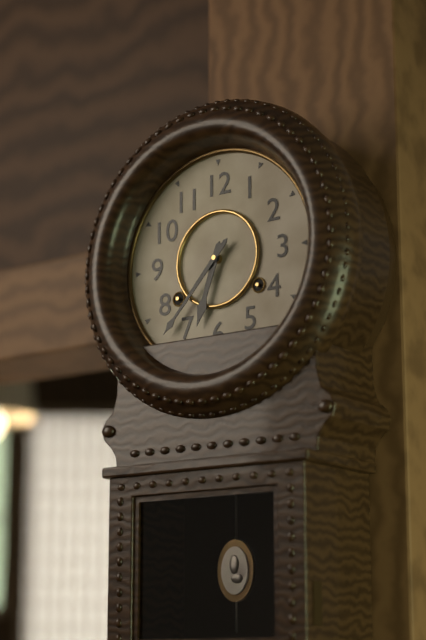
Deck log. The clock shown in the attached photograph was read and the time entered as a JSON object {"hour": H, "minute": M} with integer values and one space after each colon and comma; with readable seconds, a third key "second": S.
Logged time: {"hour": 6, "minute": 37}
